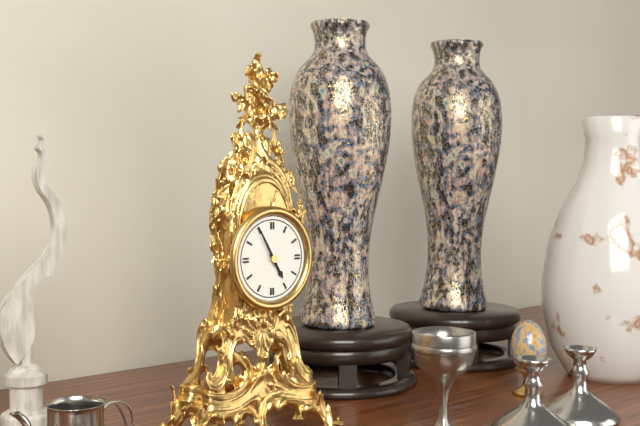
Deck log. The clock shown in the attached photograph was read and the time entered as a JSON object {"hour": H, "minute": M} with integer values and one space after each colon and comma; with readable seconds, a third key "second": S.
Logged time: {"hour": 4, "minute": 55}
